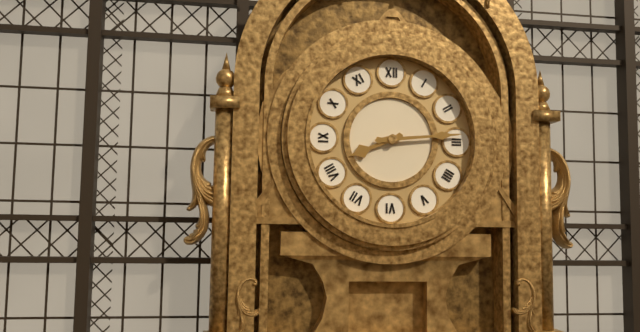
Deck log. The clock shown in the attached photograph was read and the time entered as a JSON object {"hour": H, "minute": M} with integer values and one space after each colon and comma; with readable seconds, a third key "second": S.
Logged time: {"hour": 8, "minute": 14}
